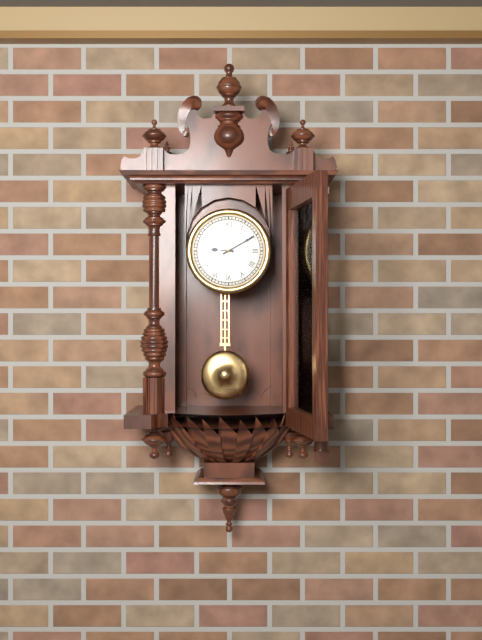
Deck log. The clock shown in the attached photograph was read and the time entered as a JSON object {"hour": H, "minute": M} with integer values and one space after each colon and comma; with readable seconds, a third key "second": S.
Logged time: {"hour": 9, "minute": 10}
